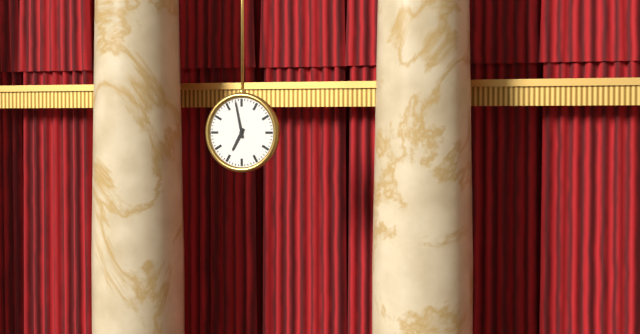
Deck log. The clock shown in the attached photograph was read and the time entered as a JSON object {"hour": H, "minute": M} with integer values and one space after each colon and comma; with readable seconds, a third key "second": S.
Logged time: {"hour": 6, "minute": 58}
